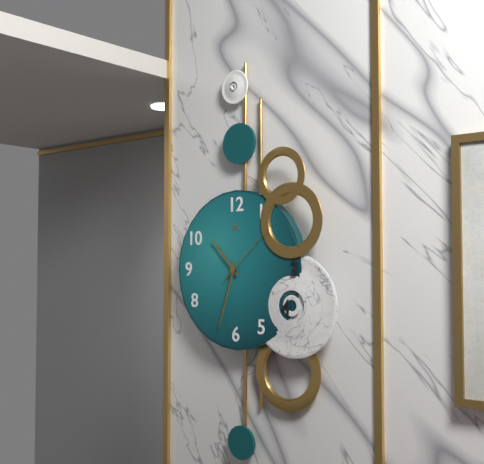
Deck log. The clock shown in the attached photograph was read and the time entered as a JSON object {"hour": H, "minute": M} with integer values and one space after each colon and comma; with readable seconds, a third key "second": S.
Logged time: {"hour": 10, "minute": 33, "second": 8}
